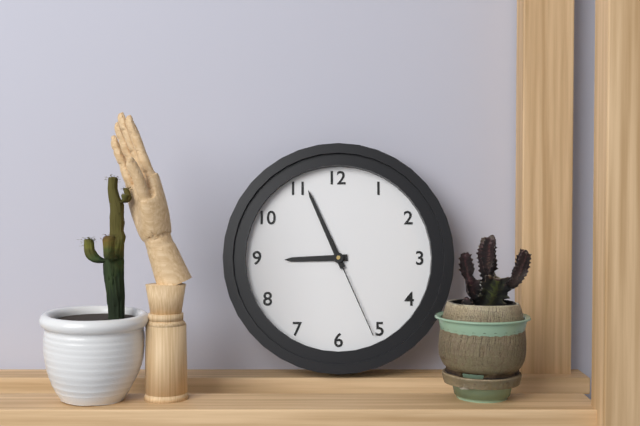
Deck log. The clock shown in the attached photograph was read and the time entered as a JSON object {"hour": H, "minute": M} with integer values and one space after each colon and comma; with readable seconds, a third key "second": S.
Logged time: {"hour": 8, "minute": 56, "second": 26}
